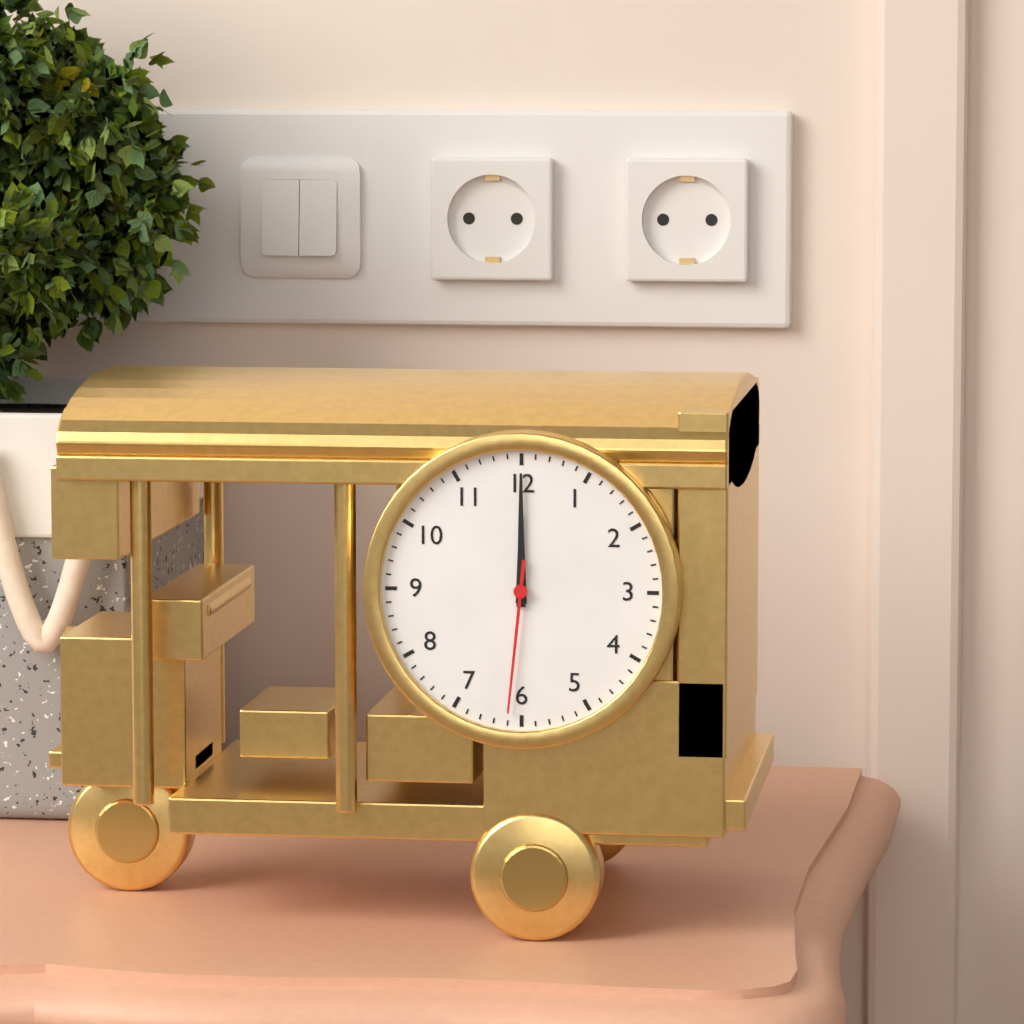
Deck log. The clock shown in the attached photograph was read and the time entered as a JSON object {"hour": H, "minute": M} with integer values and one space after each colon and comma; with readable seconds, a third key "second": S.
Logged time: {"hour": 12, "minute": 0, "second": 31}
